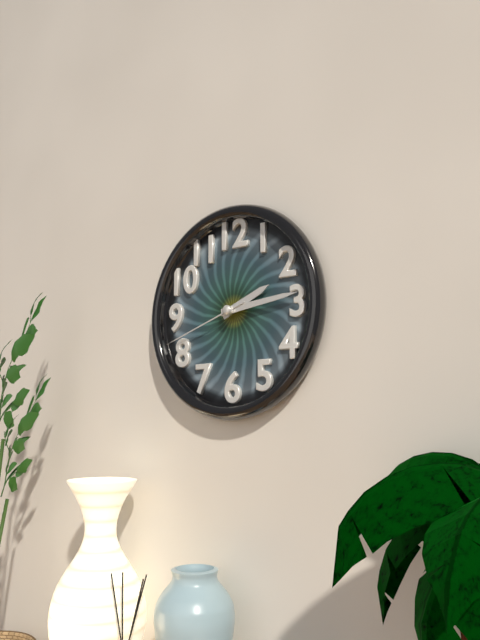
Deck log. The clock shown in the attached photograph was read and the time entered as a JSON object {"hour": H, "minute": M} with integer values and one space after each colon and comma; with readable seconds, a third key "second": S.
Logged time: {"hour": 2, "minute": 14, "second": 42}
